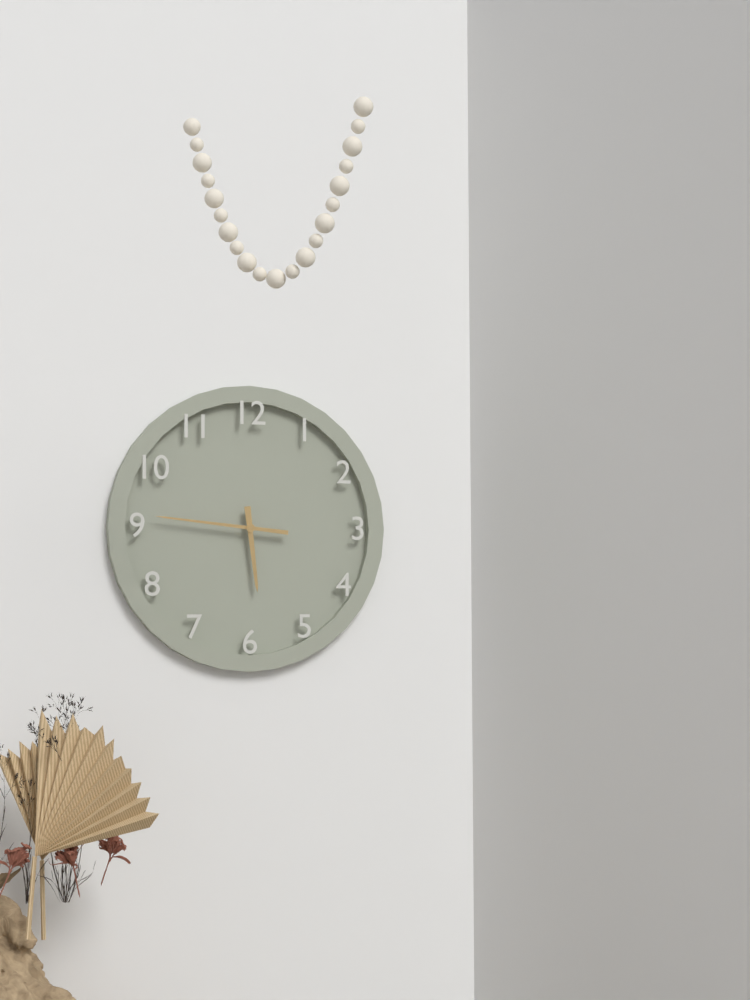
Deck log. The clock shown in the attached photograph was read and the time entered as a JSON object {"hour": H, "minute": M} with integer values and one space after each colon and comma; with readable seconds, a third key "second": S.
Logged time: {"hour": 5, "minute": 46}
